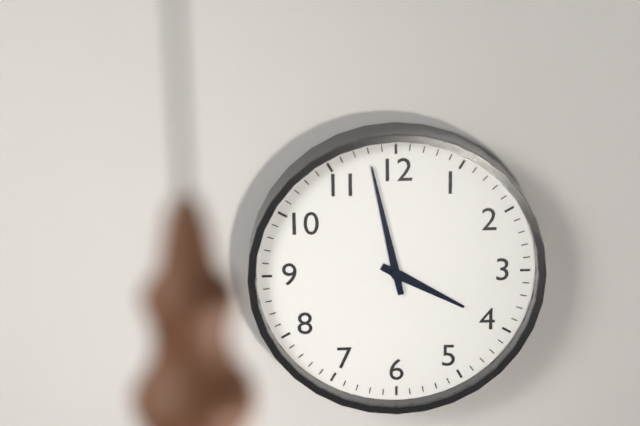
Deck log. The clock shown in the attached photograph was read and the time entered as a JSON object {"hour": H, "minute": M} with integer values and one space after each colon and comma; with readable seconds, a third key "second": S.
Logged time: {"hour": 3, "minute": 58}
